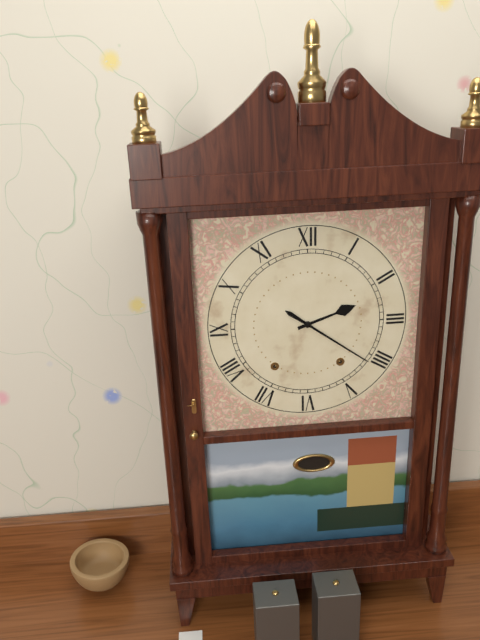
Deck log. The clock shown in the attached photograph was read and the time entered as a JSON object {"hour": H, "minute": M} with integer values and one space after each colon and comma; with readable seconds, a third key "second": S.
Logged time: {"hour": 2, "minute": 21}
